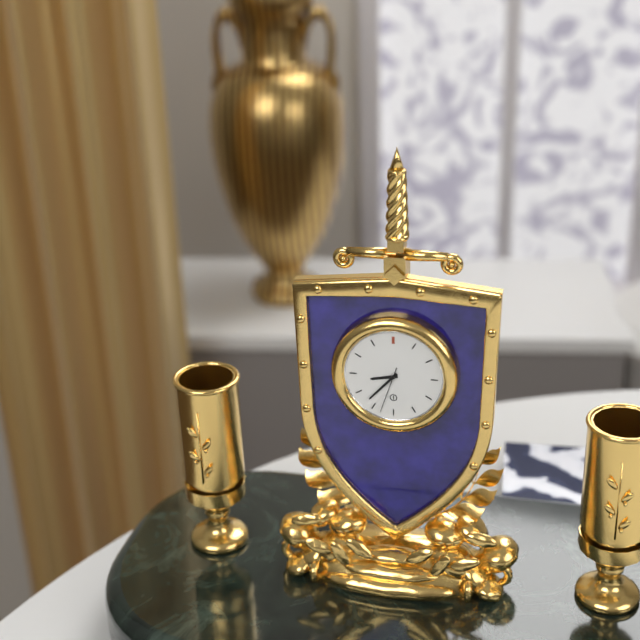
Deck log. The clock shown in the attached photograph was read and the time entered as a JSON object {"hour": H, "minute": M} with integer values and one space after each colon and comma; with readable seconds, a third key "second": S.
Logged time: {"hour": 8, "minute": 37}
